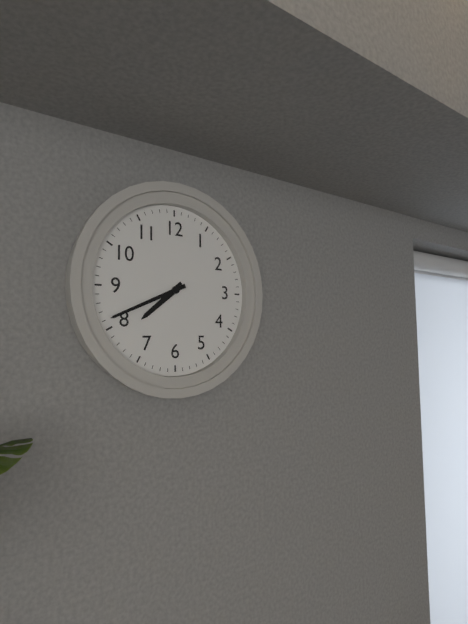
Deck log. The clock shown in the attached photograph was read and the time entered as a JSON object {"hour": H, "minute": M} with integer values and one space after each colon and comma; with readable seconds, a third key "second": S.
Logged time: {"hour": 7, "minute": 41}
